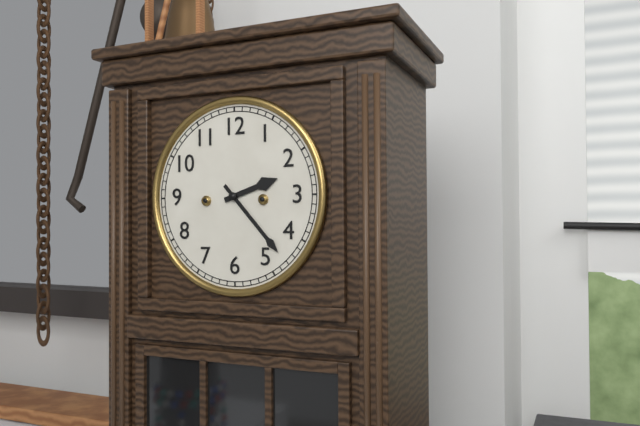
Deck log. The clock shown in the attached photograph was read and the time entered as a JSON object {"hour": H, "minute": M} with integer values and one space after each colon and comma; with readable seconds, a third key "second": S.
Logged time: {"hour": 2, "minute": 23}
